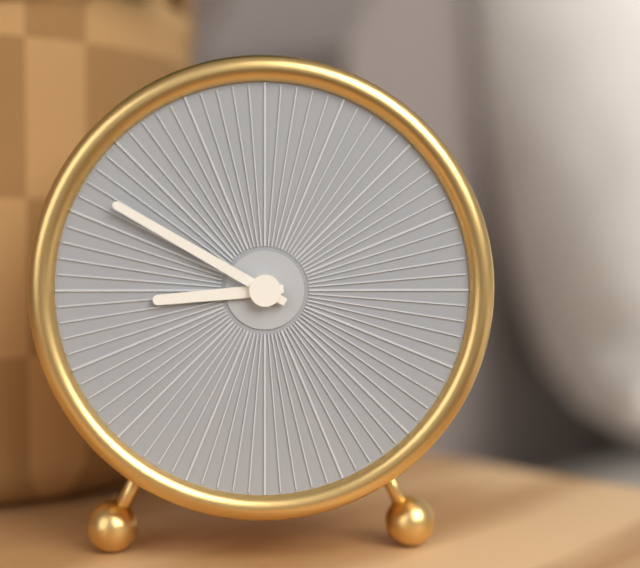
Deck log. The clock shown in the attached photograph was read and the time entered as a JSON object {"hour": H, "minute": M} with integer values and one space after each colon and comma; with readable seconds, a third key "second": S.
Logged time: {"hour": 8, "minute": 50}
